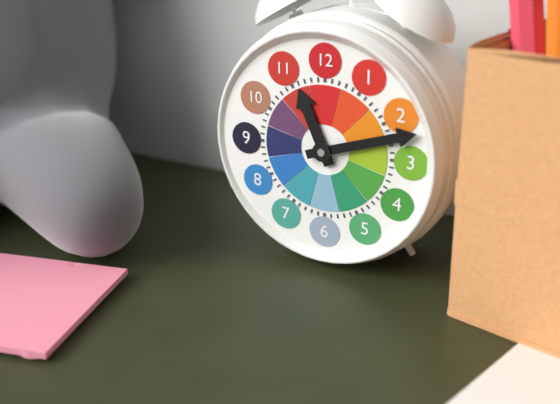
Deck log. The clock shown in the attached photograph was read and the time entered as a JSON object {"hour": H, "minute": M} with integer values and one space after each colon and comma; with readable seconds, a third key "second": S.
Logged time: {"hour": 11, "minute": 12}
